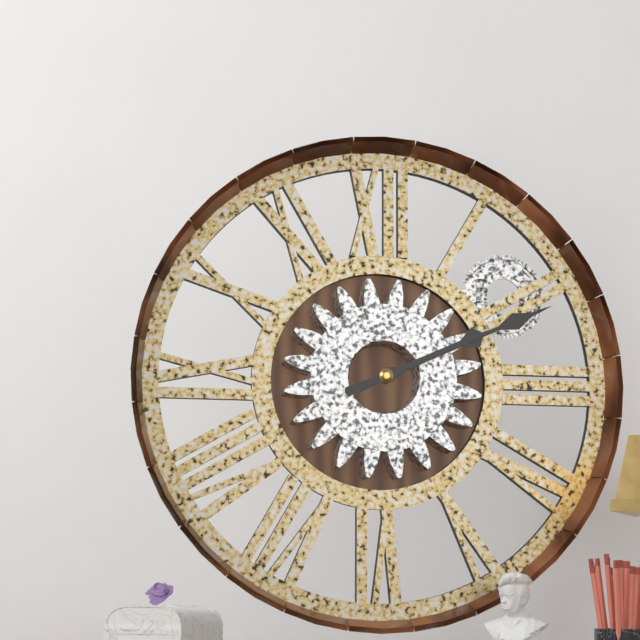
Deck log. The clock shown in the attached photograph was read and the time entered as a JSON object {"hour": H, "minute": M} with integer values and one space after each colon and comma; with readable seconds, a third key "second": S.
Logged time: {"hour": 2, "minute": 11}
